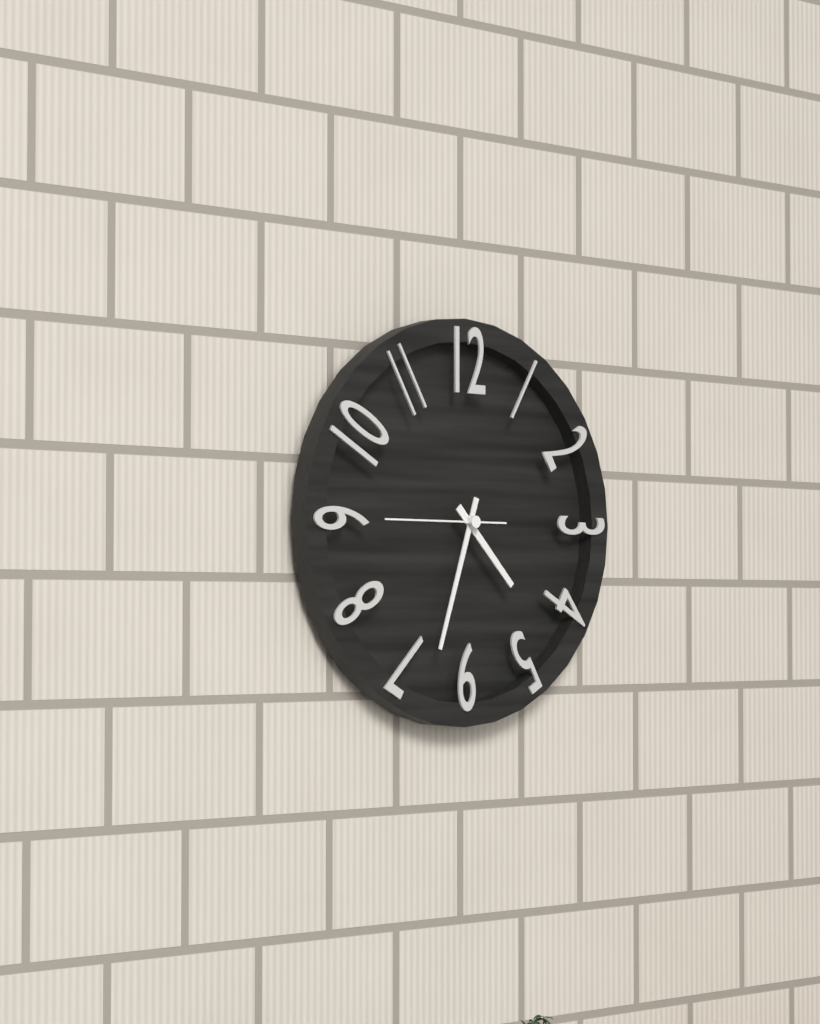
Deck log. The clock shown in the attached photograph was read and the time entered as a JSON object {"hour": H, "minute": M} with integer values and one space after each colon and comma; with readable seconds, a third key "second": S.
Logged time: {"hour": 4, "minute": 33, "second": 45}
